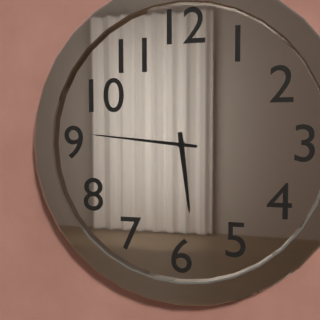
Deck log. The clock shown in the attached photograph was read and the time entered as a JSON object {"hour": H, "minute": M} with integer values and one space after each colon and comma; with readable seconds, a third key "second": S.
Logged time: {"hour": 5, "minute": 46}
